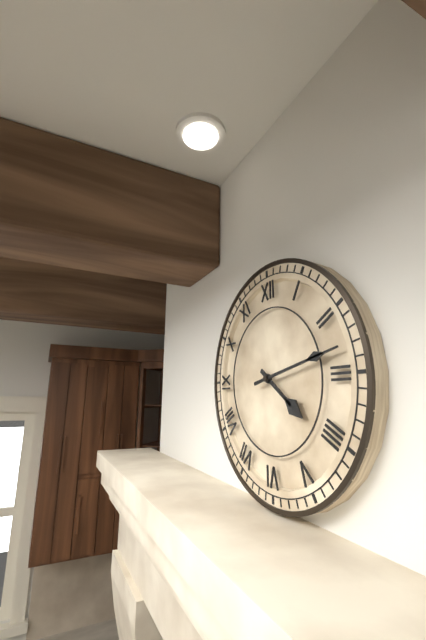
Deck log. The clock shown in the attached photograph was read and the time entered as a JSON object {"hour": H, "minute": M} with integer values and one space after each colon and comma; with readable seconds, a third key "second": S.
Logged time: {"hour": 4, "minute": 13}
